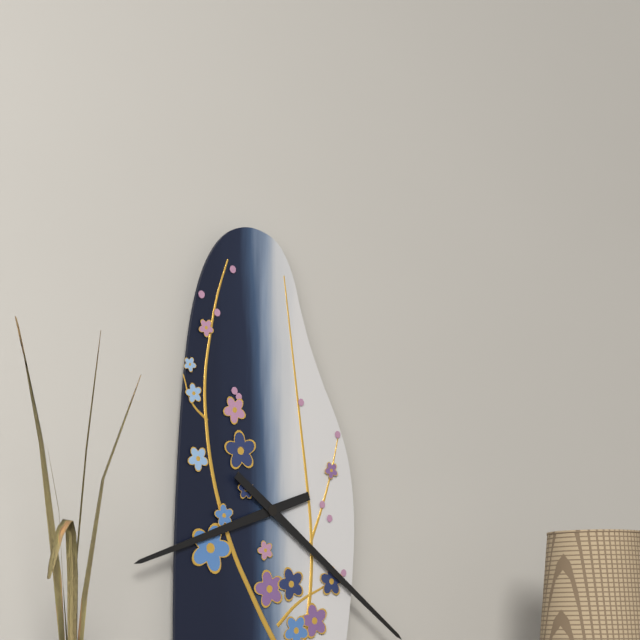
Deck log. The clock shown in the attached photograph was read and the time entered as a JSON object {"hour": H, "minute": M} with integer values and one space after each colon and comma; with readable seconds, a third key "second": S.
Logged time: {"hour": 8, "minute": 21}
